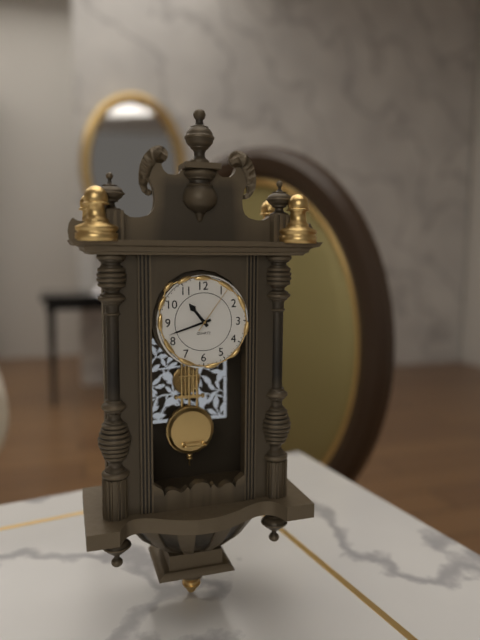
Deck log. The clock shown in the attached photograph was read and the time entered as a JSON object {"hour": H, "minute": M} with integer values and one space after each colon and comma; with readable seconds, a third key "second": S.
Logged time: {"hour": 10, "minute": 42, "second": 6}
